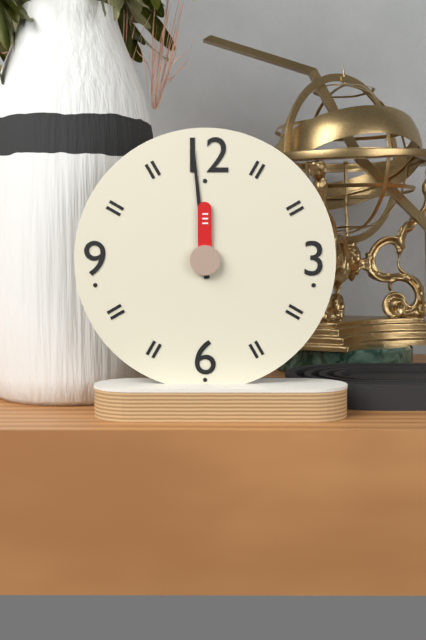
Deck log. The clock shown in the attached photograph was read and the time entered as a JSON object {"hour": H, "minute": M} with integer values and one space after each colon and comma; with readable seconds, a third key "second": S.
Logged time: {"hour": 11, "minute": 59}
